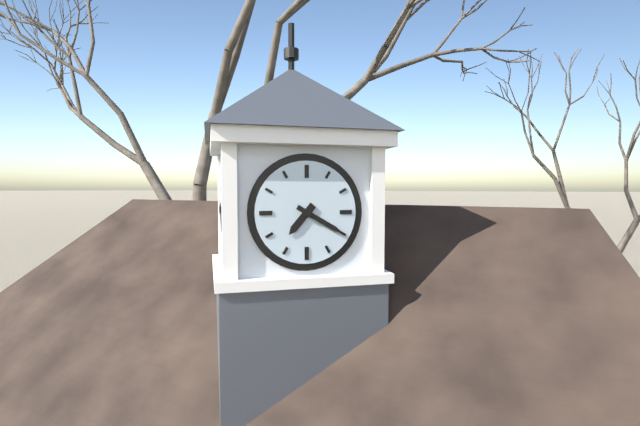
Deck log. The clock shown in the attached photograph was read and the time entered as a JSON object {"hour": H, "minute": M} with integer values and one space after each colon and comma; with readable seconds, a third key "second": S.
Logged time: {"hour": 7, "minute": 20}
